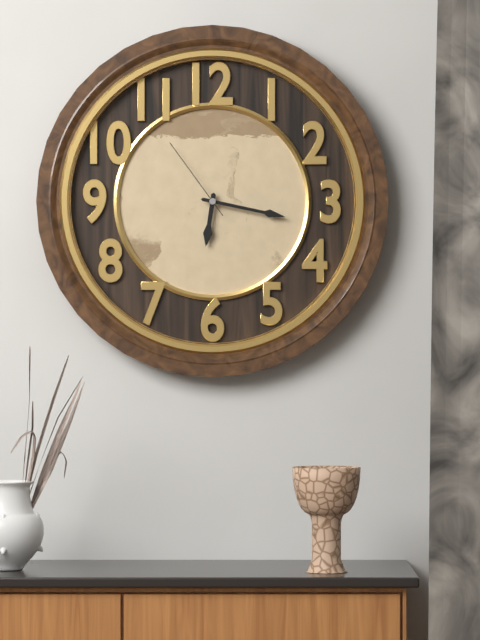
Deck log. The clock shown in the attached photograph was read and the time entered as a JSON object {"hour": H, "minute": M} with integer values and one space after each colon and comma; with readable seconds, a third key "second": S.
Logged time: {"hour": 6, "minute": 17, "second": 54}
